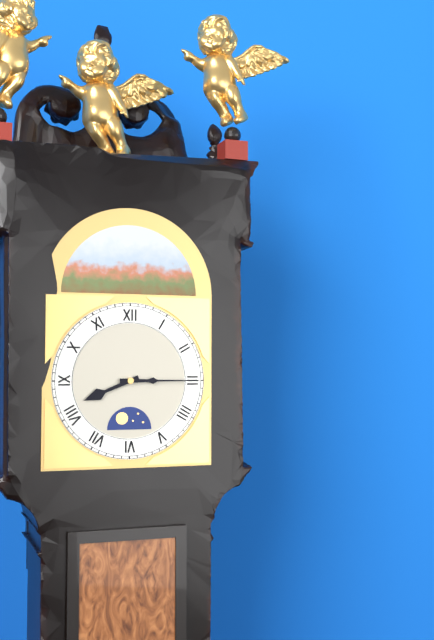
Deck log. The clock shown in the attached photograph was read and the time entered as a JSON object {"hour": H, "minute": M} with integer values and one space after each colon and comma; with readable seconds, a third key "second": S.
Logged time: {"hour": 8, "minute": 15}
